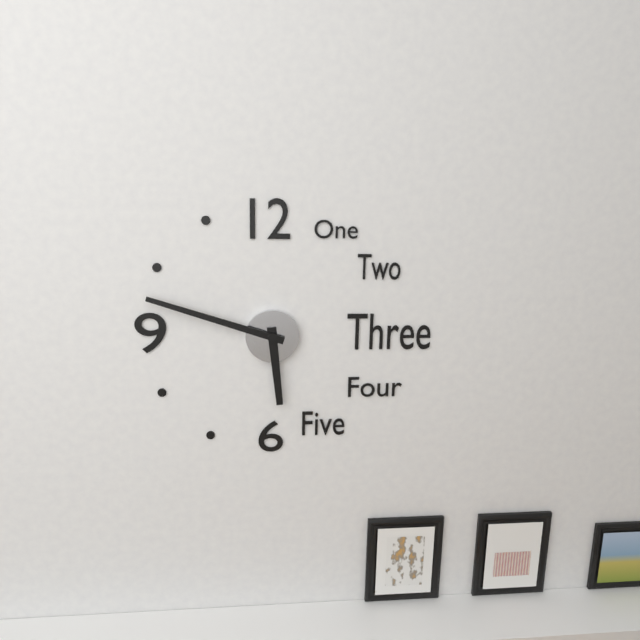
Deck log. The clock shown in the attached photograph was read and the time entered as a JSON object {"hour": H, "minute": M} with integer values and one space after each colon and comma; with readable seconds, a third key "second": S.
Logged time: {"hour": 5, "minute": 48}
